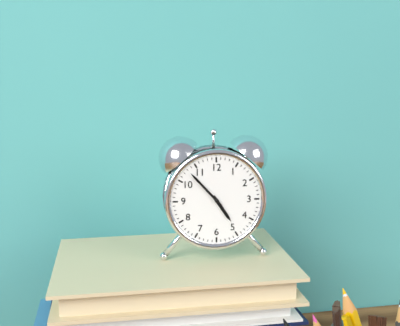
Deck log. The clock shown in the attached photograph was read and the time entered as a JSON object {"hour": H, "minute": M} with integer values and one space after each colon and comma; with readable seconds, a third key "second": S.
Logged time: {"hour": 4, "minute": 53}
